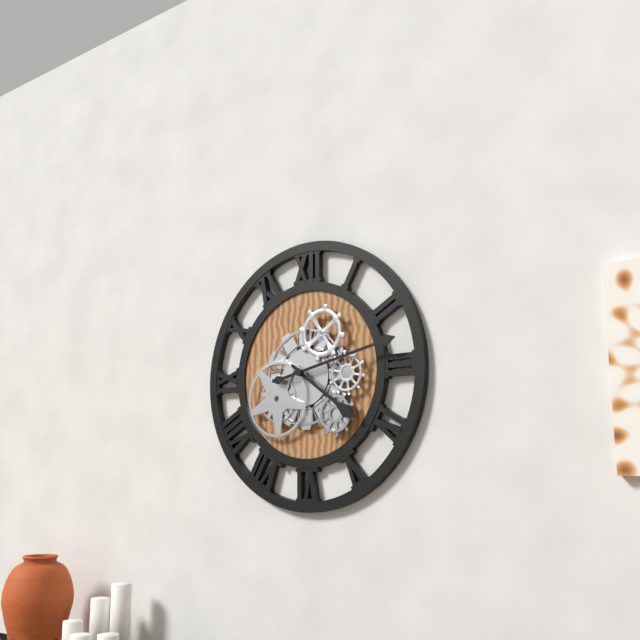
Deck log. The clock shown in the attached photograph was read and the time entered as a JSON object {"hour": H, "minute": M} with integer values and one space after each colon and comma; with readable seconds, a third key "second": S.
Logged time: {"hour": 4, "minute": 13}
